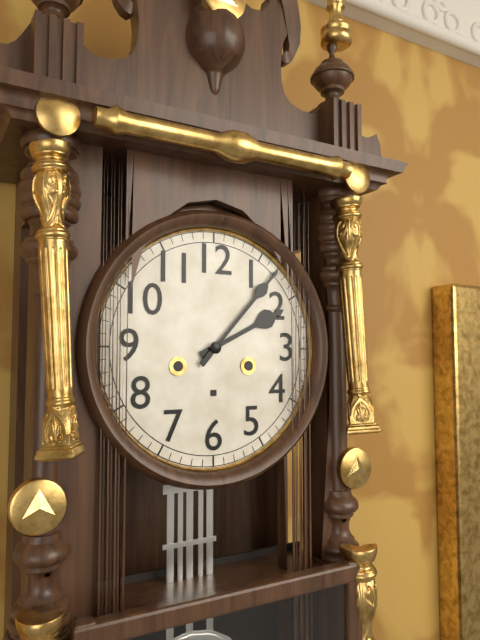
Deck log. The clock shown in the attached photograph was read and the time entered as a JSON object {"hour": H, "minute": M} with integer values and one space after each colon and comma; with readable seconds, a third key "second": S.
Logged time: {"hour": 2, "minute": 7}
